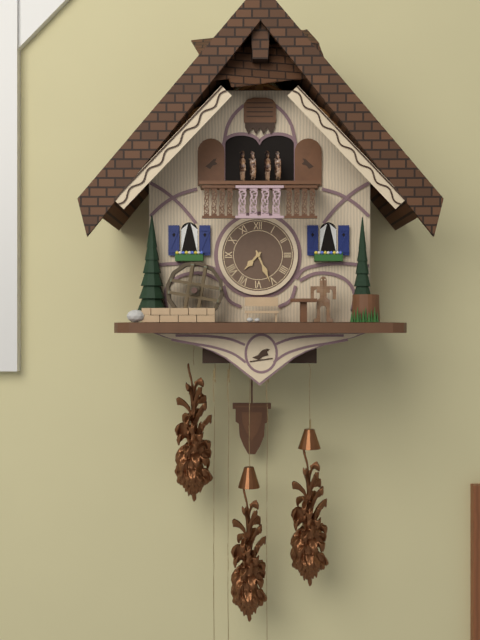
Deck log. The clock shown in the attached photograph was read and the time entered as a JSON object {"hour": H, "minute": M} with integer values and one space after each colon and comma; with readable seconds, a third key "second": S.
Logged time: {"hour": 7, "minute": 26}
